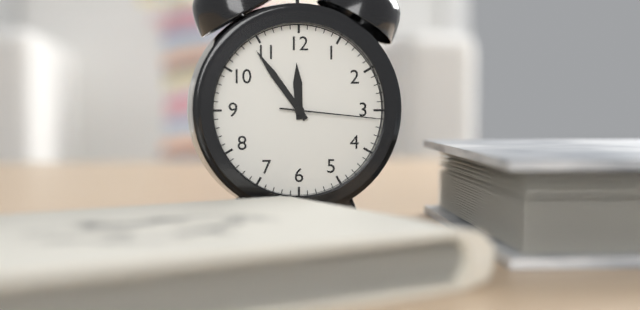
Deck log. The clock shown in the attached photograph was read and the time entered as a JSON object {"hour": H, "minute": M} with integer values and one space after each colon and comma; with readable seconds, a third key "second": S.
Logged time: {"hour": 11, "minute": 54, "second": 16}
